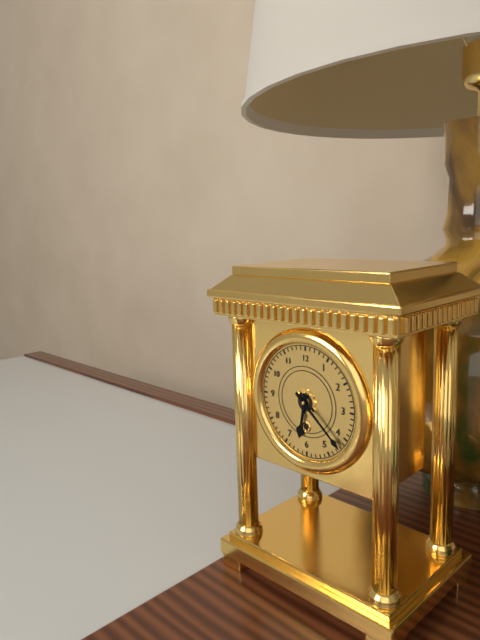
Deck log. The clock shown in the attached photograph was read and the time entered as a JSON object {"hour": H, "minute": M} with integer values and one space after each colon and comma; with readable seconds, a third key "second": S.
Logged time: {"hour": 6, "minute": 22}
